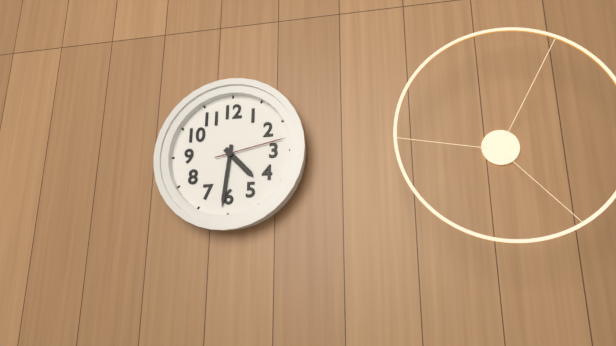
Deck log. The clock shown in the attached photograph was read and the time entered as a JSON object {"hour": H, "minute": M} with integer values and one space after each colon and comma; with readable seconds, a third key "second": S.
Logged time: {"hour": 4, "minute": 31, "second": 13}
